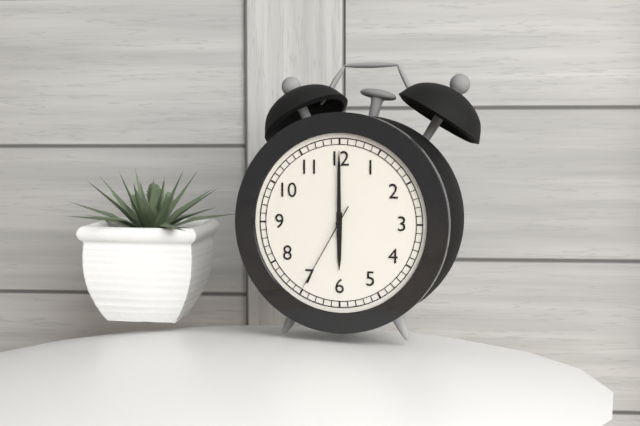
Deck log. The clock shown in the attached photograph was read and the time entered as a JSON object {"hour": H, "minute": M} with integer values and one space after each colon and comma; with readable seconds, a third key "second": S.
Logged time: {"hour": 6, "minute": 0, "second": 35}
